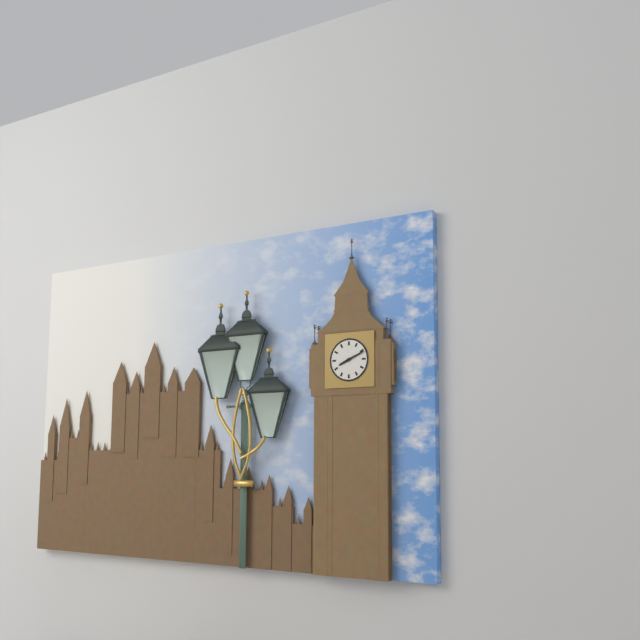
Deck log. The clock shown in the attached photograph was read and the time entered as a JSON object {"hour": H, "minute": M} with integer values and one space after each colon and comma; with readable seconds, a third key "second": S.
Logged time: {"hour": 8, "minute": 11}
